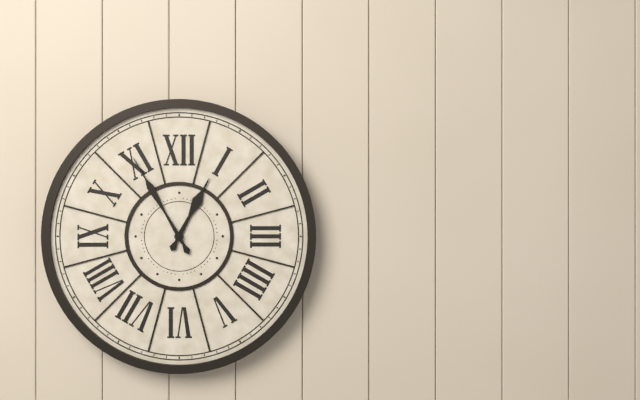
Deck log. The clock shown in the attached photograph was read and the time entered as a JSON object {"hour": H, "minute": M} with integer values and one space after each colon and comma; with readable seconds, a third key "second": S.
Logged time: {"hour": 12, "minute": 55}
